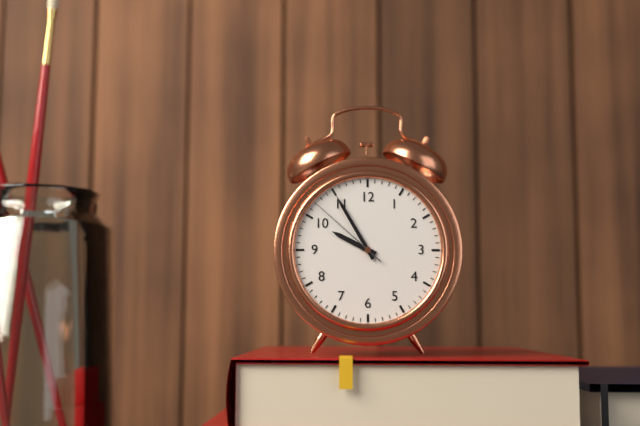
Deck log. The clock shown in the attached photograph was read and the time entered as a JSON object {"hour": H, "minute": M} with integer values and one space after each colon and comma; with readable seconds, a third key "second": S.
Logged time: {"hour": 9, "minute": 55, "second": 52}
